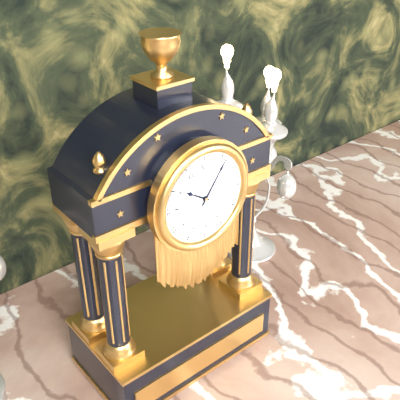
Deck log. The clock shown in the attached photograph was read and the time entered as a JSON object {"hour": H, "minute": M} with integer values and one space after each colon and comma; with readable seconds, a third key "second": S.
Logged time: {"hour": 10, "minute": 6}
